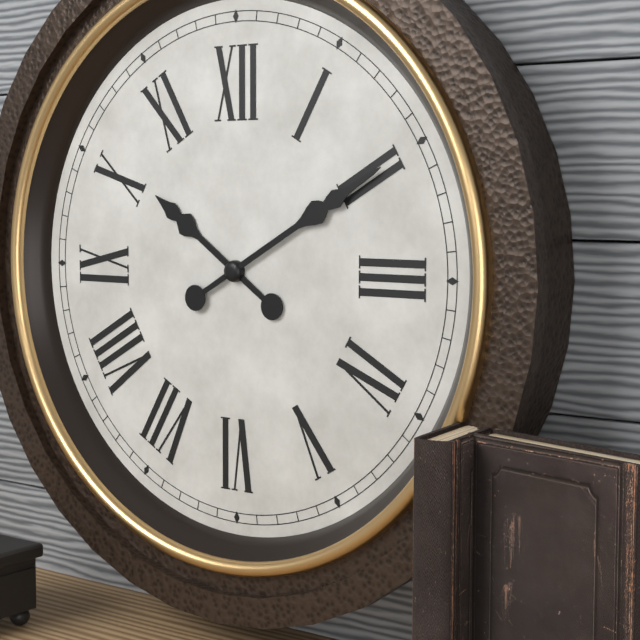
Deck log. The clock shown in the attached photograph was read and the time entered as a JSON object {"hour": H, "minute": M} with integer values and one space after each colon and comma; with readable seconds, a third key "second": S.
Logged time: {"hour": 10, "minute": 10}
